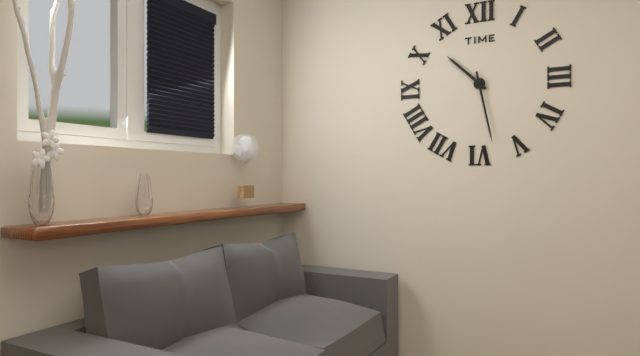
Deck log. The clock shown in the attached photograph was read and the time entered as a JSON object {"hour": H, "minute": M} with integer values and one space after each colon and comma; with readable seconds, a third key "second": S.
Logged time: {"hour": 10, "minute": 28}
